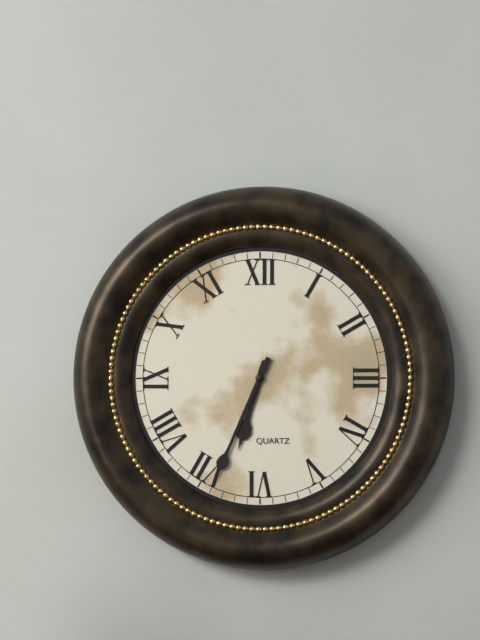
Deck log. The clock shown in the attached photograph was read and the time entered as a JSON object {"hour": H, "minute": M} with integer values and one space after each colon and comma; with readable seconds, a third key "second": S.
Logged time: {"hour": 6, "minute": 34}
